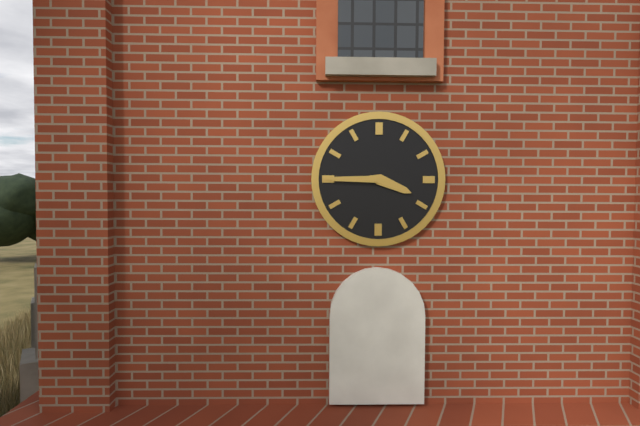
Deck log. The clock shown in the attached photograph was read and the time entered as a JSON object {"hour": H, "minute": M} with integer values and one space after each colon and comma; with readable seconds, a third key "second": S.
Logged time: {"hour": 3, "minute": 45}
